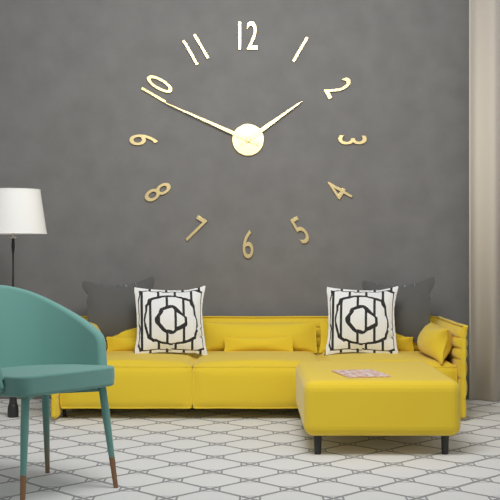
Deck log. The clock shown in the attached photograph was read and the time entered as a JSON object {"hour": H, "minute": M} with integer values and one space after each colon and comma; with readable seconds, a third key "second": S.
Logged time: {"hour": 1, "minute": 49}
